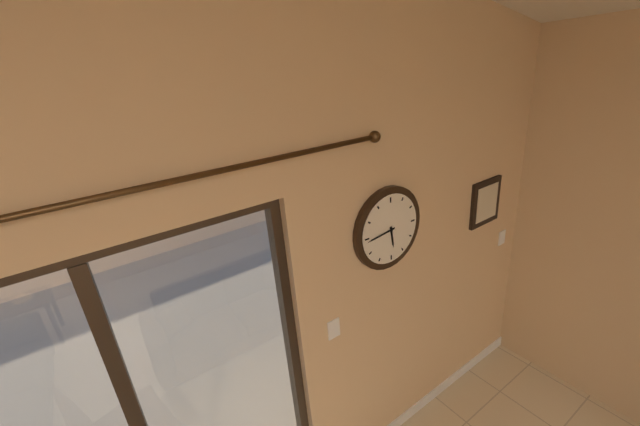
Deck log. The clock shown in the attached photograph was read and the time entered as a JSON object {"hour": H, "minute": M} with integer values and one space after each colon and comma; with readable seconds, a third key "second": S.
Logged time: {"hour": 5, "minute": 44}
